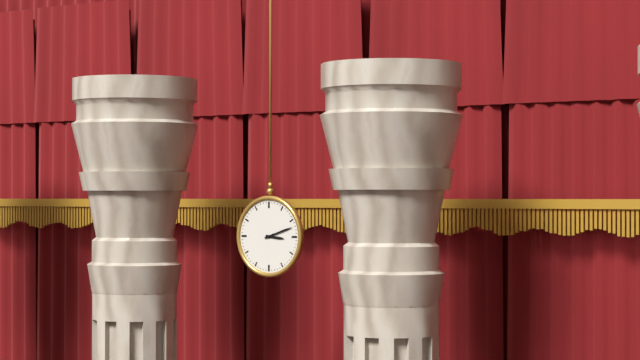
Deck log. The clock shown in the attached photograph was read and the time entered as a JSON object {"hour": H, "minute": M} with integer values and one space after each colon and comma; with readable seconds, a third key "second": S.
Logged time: {"hour": 3, "minute": 12}
